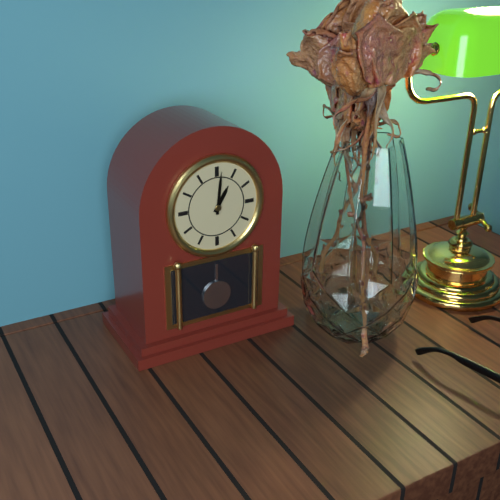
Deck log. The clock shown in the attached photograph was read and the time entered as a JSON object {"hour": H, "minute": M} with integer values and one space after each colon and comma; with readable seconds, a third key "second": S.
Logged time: {"hour": 1, "minute": 1}
